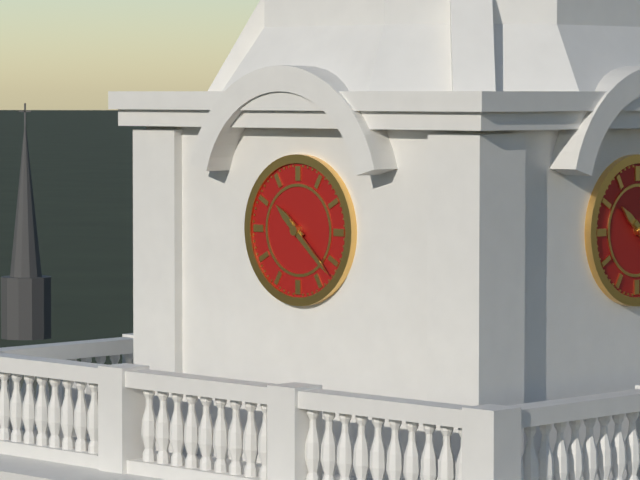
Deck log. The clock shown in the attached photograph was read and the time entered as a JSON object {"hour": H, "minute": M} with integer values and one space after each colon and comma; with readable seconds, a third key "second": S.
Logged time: {"hour": 10, "minute": 22}
